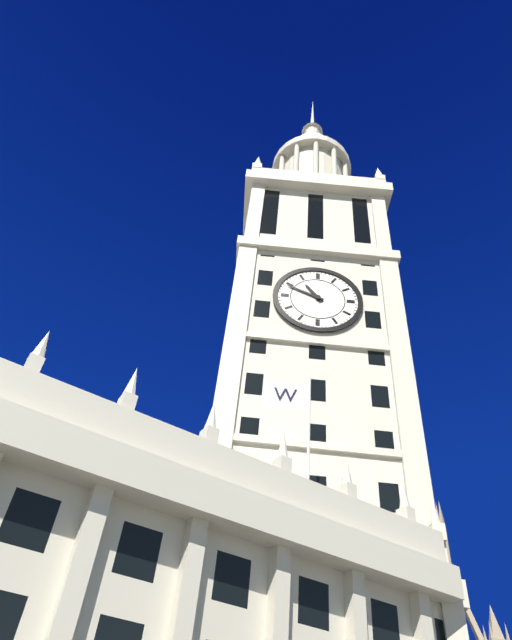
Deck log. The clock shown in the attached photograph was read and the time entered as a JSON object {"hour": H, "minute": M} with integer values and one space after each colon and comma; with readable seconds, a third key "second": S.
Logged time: {"hour": 10, "minute": 49}
